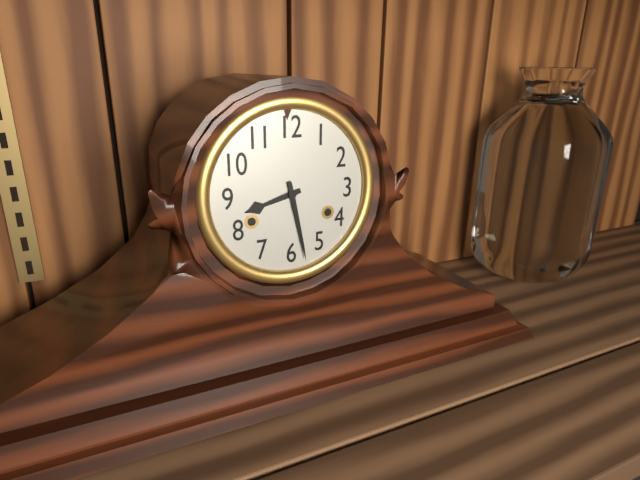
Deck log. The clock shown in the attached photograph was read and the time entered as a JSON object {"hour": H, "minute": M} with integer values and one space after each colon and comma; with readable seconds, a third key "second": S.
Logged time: {"hour": 8, "minute": 28}
